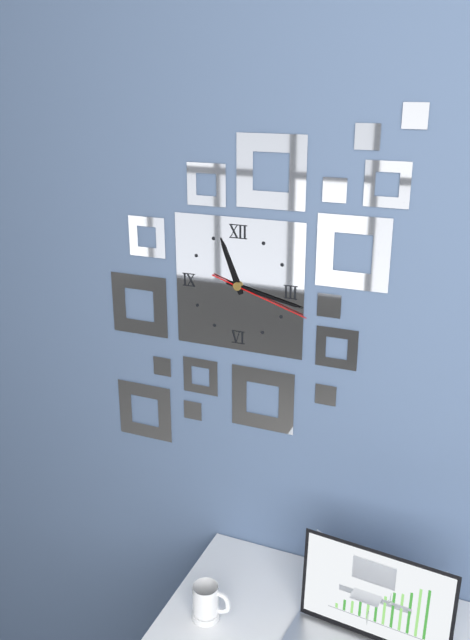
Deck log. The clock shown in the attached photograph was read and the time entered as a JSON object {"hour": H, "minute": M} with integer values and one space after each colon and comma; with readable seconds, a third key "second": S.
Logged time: {"hour": 11, "minute": 17, "second": 18}
